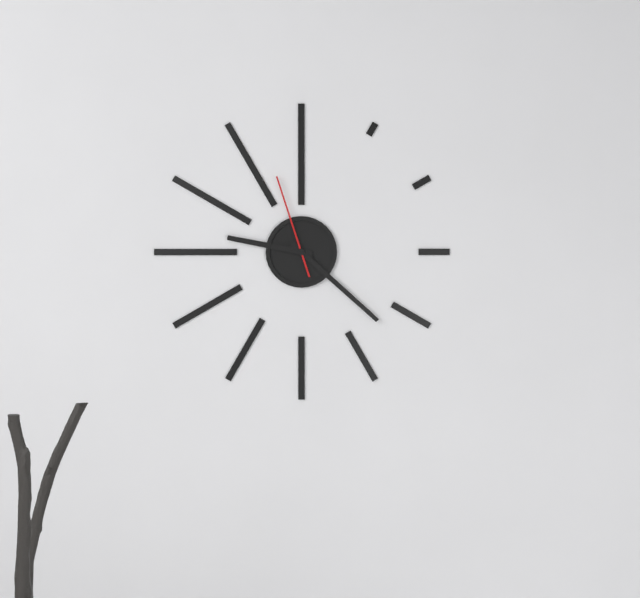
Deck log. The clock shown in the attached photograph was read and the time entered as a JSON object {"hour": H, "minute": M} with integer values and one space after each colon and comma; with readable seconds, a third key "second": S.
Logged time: {"hour": 9, "minute": 22, "second": 57}
